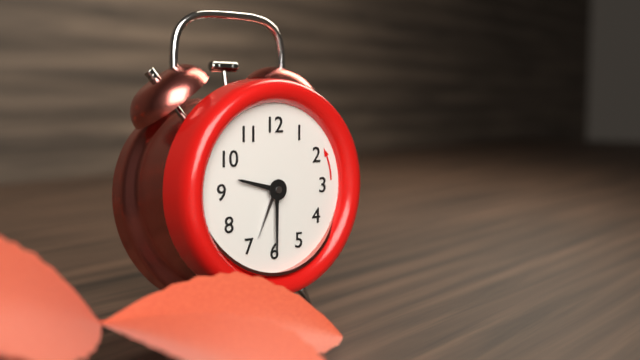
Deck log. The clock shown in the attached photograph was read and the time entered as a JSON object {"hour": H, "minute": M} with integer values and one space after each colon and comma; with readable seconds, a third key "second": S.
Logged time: {"hour": 9, "minute": 30, "second": 34}
